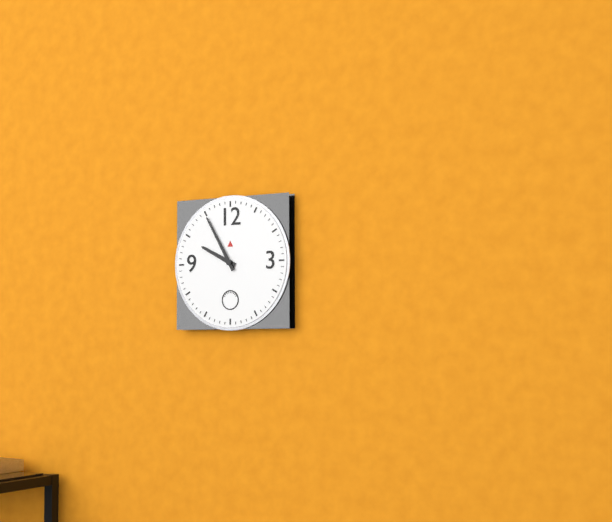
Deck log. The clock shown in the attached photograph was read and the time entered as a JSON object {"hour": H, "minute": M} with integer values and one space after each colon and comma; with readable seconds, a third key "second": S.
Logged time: {"hour": 9, "minute": 55}
